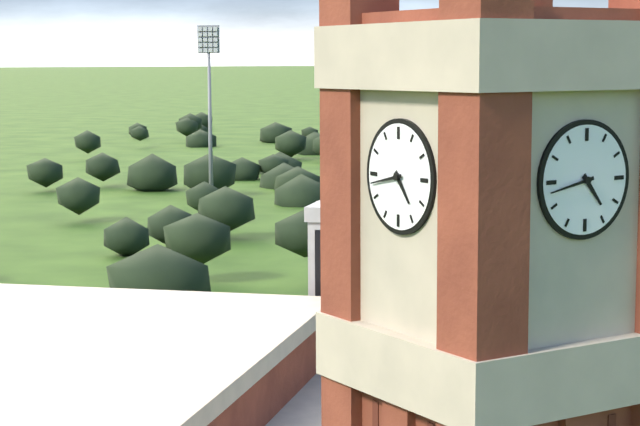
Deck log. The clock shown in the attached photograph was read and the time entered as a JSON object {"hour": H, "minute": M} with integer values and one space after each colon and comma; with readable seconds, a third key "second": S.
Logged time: {"hour": 4, "minute": 43}
